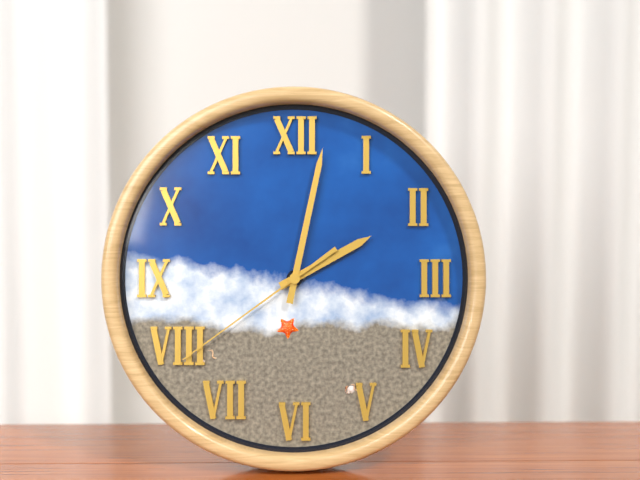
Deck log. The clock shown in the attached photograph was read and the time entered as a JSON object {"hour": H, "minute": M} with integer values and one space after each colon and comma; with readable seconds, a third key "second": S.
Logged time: {"hour": 2, "minute": 2, "second": 39}
